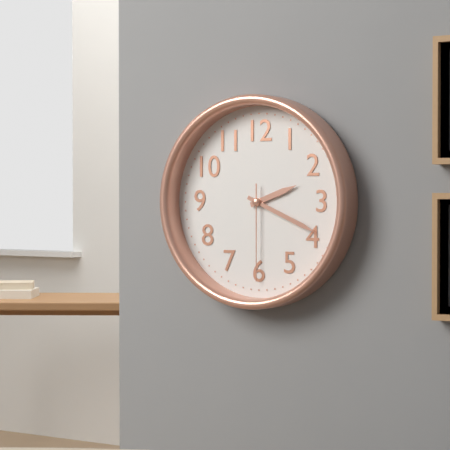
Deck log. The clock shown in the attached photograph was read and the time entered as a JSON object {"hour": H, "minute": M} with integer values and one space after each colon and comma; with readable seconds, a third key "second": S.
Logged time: {"hour": 2, "minute": 19, "second": 30}
